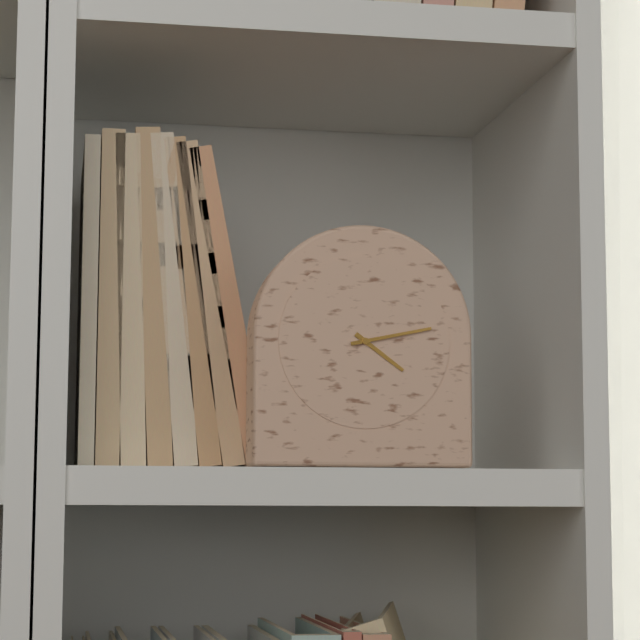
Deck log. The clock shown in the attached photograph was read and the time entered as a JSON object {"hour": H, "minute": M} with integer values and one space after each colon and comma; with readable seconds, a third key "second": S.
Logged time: {"hour": 4, "minute": 13}
